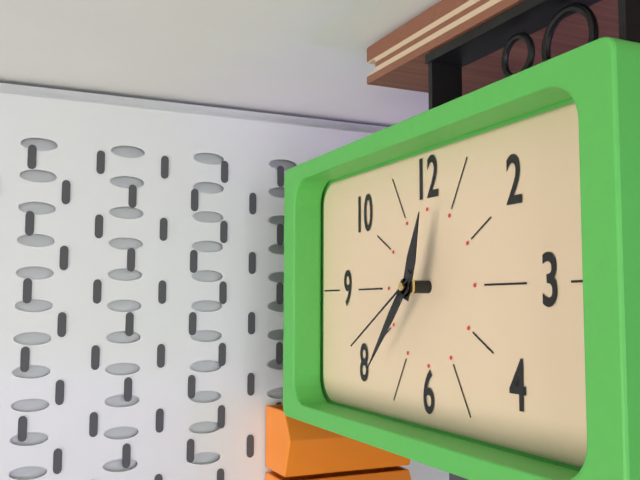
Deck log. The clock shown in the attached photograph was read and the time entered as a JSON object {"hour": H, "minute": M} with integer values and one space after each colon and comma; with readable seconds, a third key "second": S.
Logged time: {"hour": 12, "minute": 37, "second": 40}
